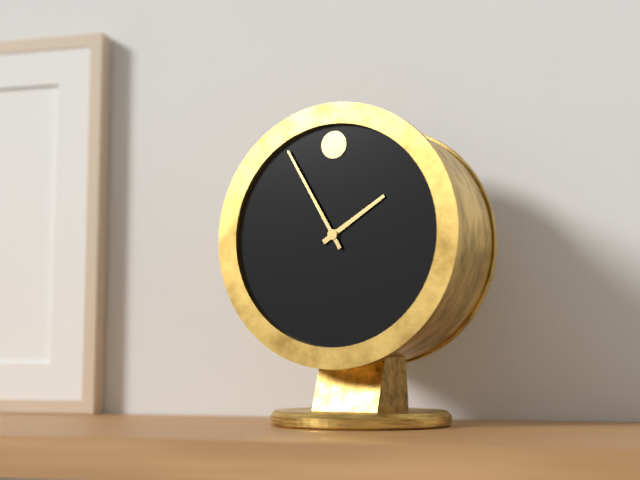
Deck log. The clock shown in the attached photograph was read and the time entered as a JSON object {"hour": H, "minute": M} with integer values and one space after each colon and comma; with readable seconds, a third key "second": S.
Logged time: {"hour": 1, "minute": 55}
